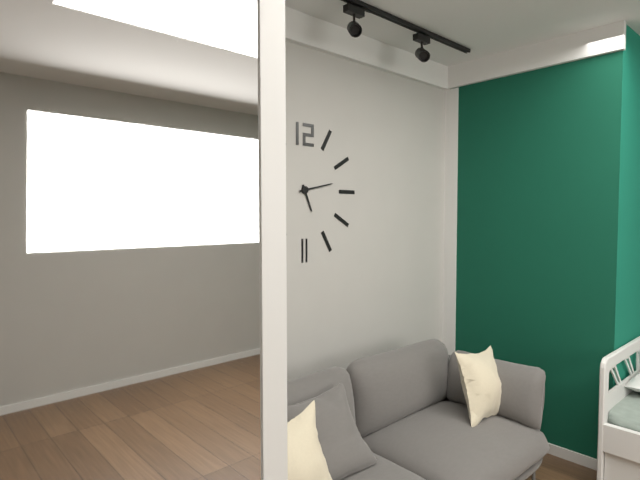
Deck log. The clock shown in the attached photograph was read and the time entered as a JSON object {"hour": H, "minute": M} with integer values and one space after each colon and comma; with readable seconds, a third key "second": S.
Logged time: {"hour": 5, "minute": 13}
